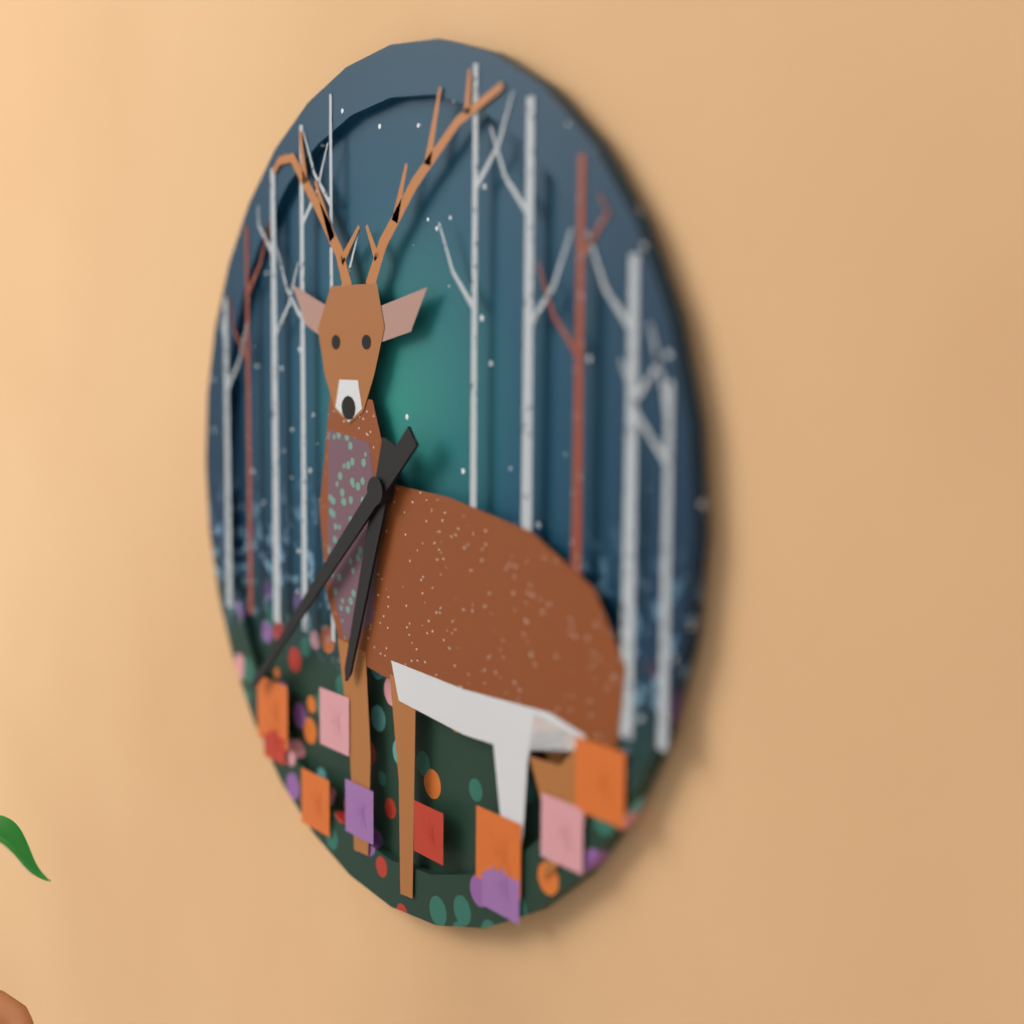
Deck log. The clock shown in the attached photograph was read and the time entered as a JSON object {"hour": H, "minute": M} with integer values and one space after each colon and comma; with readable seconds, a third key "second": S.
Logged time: {"hour": 6, "minute": 38}
